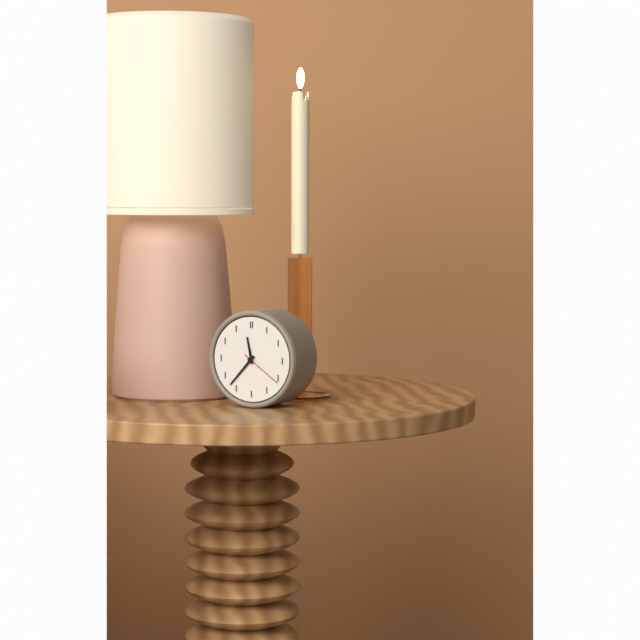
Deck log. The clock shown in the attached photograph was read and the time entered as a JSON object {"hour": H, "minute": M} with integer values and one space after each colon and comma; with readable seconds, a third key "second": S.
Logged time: {"hour": 11, "minute": 37}
